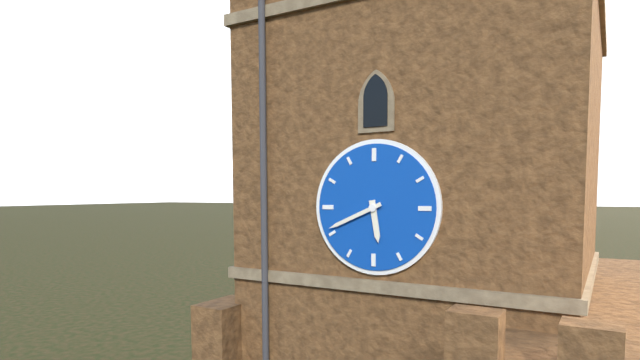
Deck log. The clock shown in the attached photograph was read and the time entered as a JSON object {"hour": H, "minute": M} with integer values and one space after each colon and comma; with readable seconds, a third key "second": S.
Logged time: {"hour": 5, "minute": 41}
